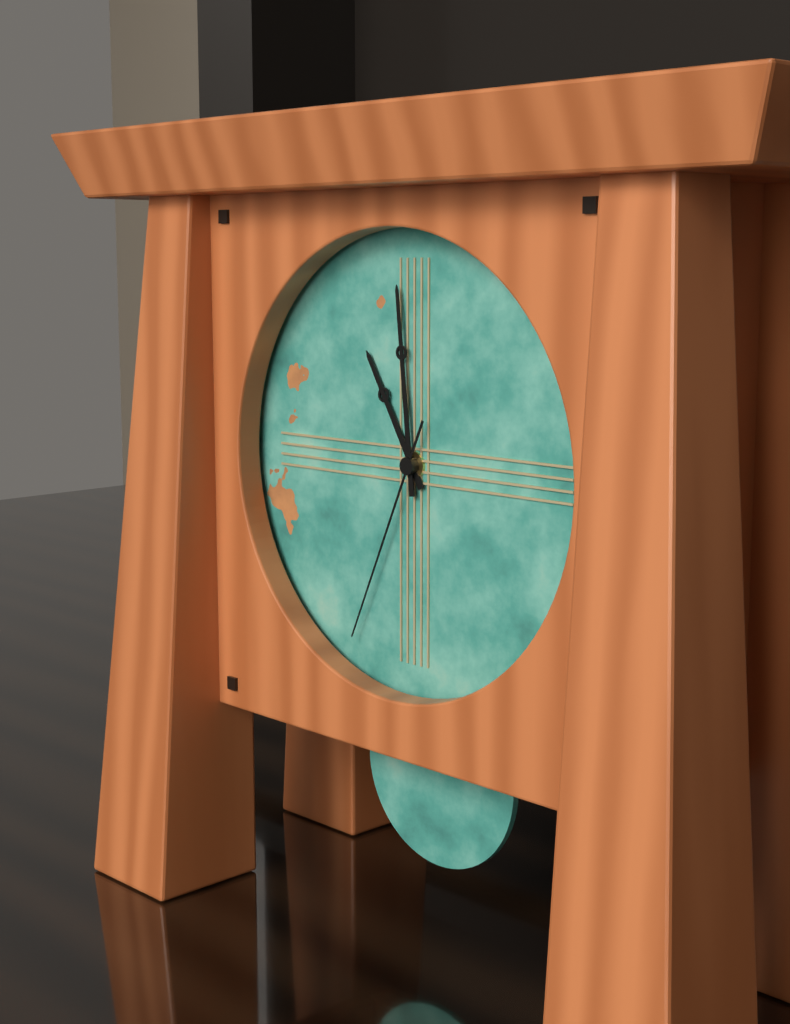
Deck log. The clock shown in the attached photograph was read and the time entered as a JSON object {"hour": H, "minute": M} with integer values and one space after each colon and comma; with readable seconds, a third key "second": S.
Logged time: {"hour": 10, "minute": 59, "second": 34}
